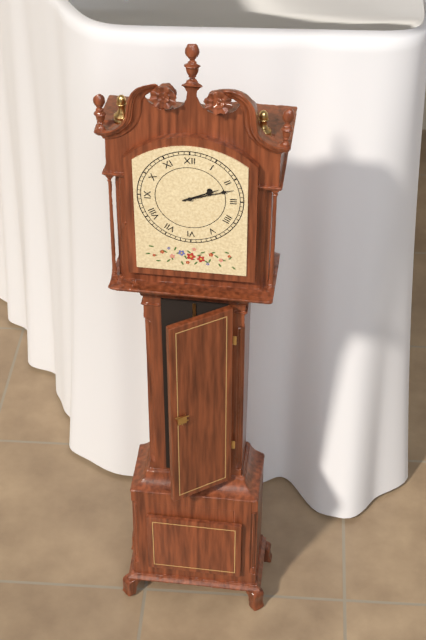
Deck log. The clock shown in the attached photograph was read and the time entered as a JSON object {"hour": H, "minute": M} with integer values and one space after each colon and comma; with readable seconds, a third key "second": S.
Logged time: {"hour": 2, "minute": 12}
